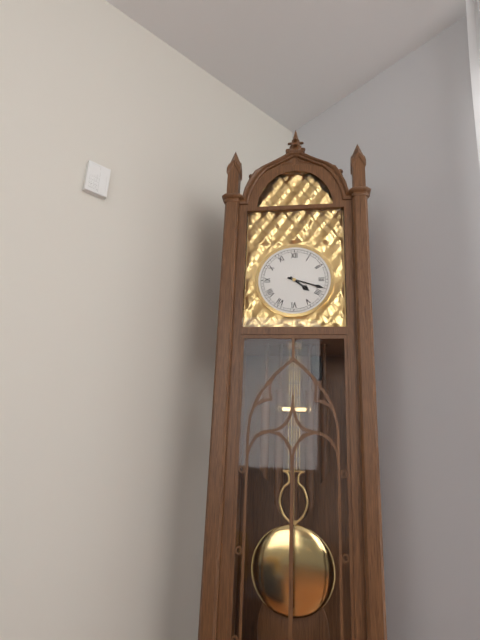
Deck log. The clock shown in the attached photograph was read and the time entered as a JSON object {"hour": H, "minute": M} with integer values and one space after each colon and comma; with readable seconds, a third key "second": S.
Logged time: {"hour": 4, "minute": 18}
